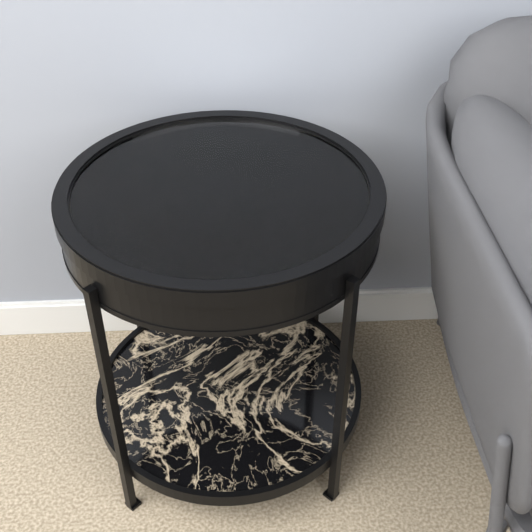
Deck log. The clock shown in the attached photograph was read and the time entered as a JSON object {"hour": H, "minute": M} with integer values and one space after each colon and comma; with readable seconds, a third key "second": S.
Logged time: {"hour": 8, "minute": 24}
